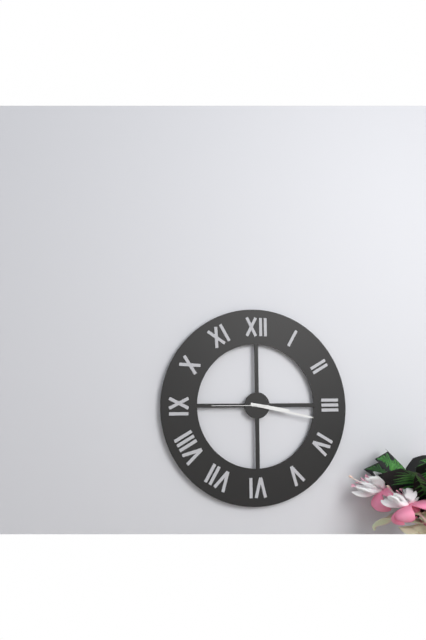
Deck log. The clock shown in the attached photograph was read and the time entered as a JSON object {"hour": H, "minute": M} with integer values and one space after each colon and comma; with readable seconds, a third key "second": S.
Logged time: {"hour": 3, "minute": 17, "second": 45}
